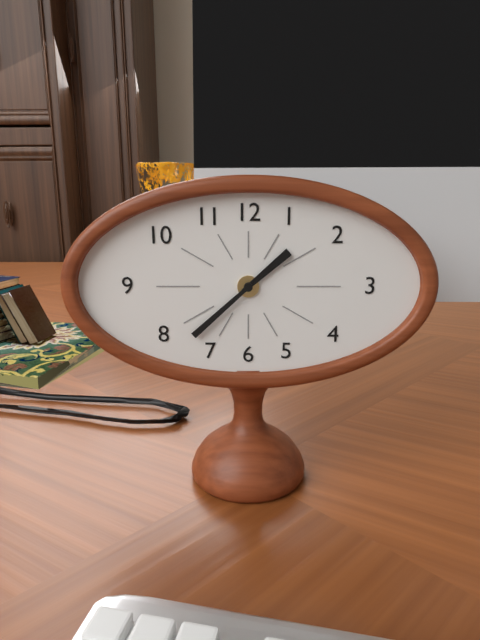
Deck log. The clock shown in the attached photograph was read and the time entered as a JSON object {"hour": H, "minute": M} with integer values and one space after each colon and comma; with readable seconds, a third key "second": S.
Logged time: {"hour": 1, "minute": 38}
